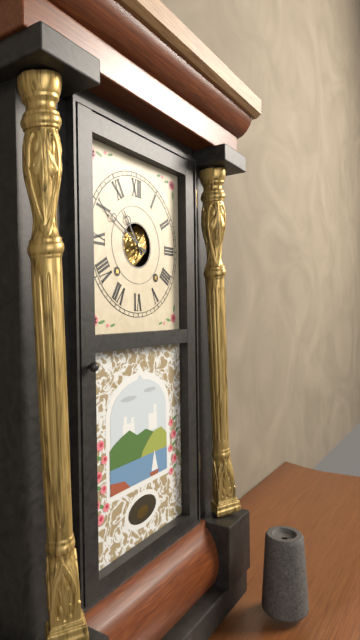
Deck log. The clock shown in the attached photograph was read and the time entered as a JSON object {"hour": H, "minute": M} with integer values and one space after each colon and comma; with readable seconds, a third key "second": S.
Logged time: {"hour": 10, "minute": 50}
